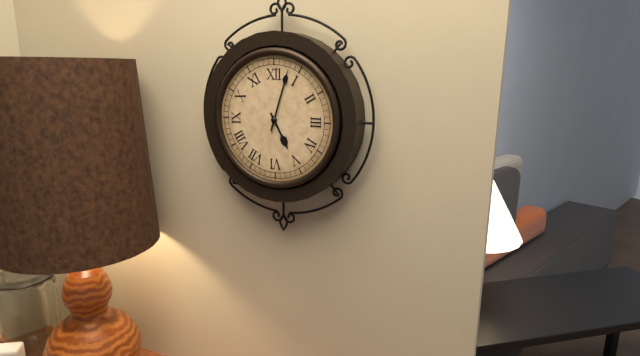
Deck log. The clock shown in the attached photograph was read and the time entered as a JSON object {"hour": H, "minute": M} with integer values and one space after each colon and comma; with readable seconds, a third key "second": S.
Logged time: {"hour": 5, "minute": 3}
